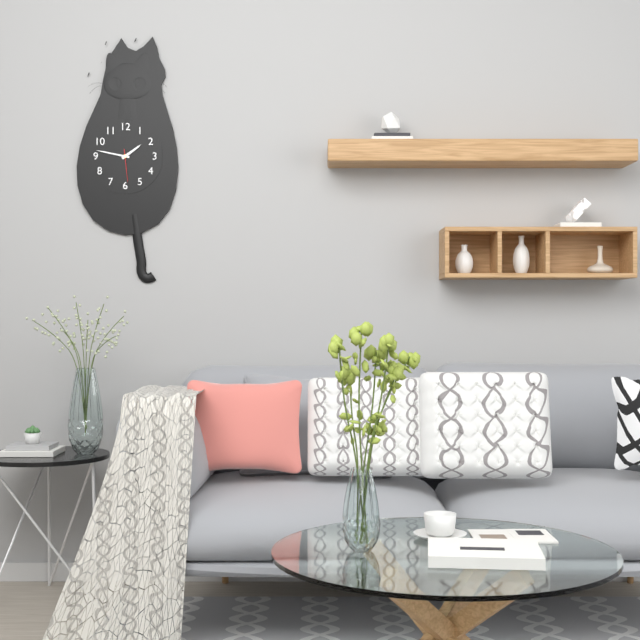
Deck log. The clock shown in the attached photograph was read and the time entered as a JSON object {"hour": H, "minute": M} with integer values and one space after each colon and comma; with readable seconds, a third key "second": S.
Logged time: {"hour": 1, "minute": 47}
